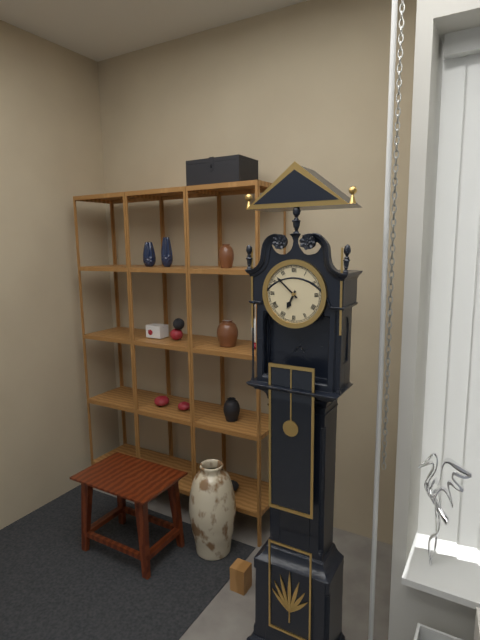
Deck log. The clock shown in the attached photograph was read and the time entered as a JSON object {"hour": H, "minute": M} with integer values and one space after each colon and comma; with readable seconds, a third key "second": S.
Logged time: {"hour": 6, "minute": 52}
